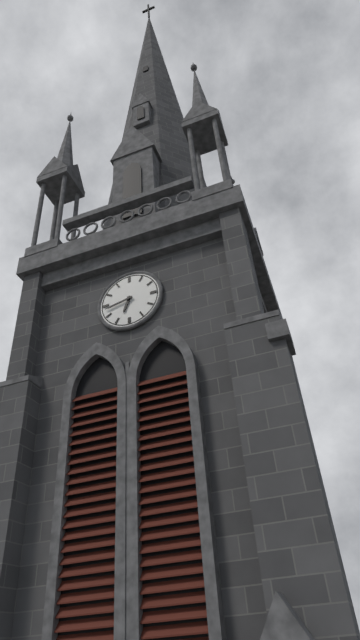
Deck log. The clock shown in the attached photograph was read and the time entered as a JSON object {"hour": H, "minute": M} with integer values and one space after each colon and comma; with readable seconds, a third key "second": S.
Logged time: {"hour": 6, "minute": 43}
